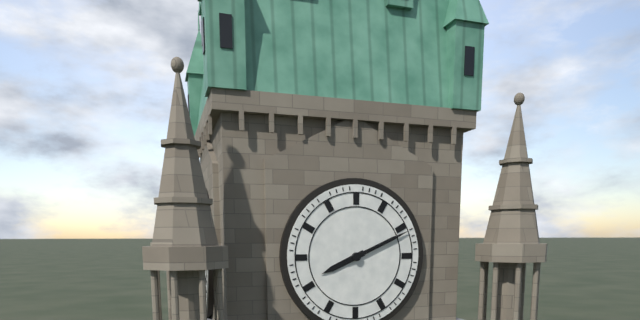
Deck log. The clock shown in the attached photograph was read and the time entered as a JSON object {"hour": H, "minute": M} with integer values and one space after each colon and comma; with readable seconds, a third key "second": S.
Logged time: {"hour": 8, "minute": 11}
